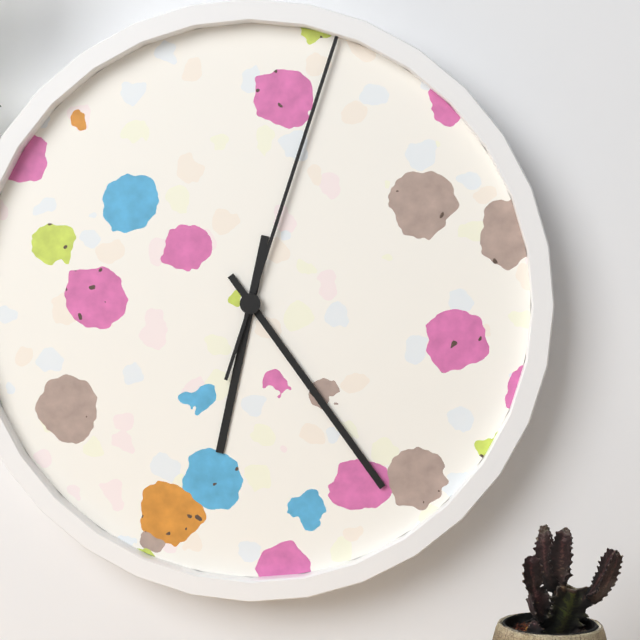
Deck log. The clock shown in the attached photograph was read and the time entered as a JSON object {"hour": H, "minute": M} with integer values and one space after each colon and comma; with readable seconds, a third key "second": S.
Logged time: {"hour": 6, "minute": 24, "second": 3}
